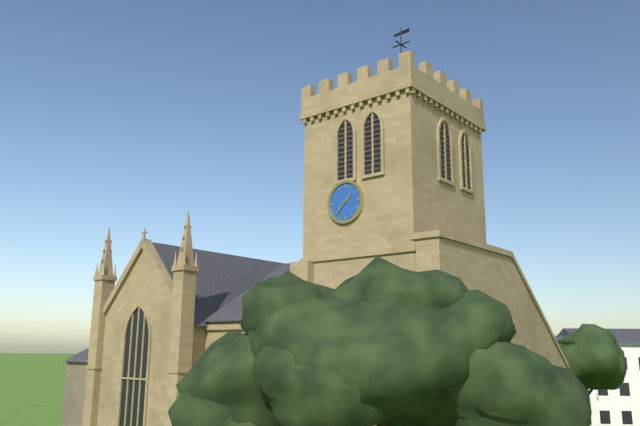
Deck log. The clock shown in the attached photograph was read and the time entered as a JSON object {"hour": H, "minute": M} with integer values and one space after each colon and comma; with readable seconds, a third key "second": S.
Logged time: {"hour": 1, "minute": 37}
